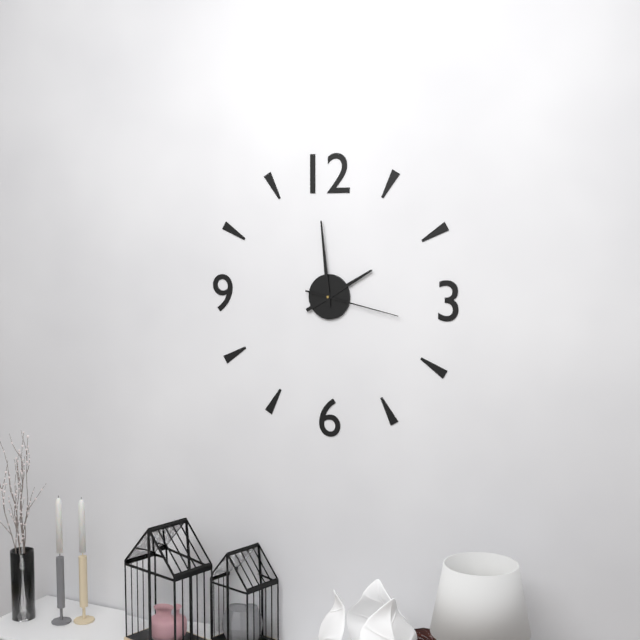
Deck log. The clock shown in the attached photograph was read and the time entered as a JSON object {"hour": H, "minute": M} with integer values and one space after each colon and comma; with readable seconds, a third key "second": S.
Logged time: {"hour": 1, "minute": 59, "second": 17}
